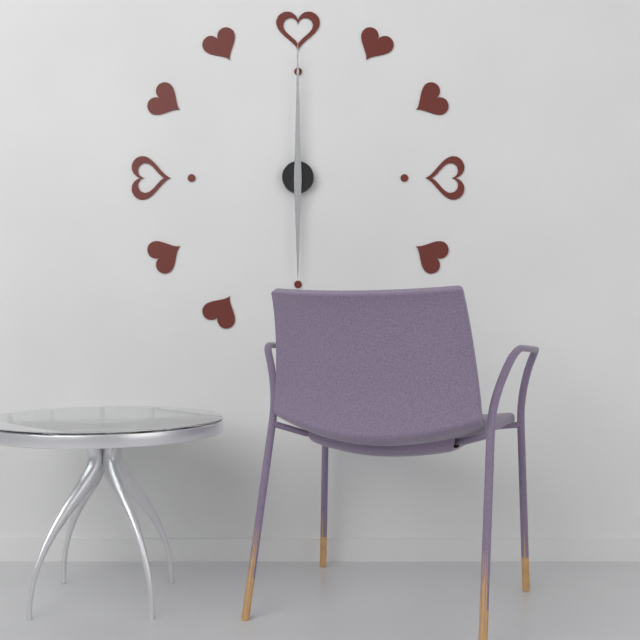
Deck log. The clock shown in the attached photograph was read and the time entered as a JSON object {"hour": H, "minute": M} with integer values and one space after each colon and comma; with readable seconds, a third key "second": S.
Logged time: {"hour": 6, "minute": 0}
